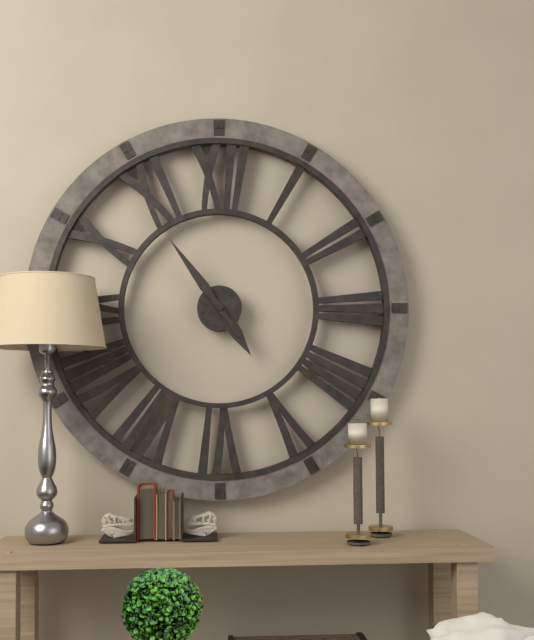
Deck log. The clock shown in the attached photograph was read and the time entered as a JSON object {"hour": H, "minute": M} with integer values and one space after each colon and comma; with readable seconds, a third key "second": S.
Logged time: {"hour": 4, "minute": 54}
